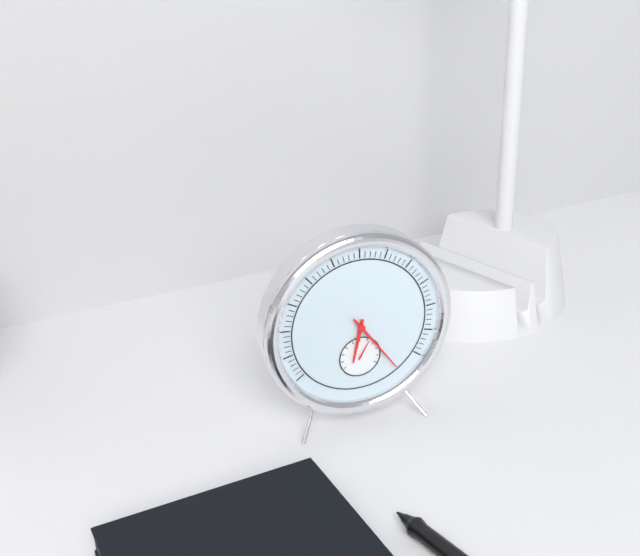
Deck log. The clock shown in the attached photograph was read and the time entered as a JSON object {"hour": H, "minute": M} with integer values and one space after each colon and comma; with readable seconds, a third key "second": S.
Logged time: {"hour": 6, "minute": 24}
